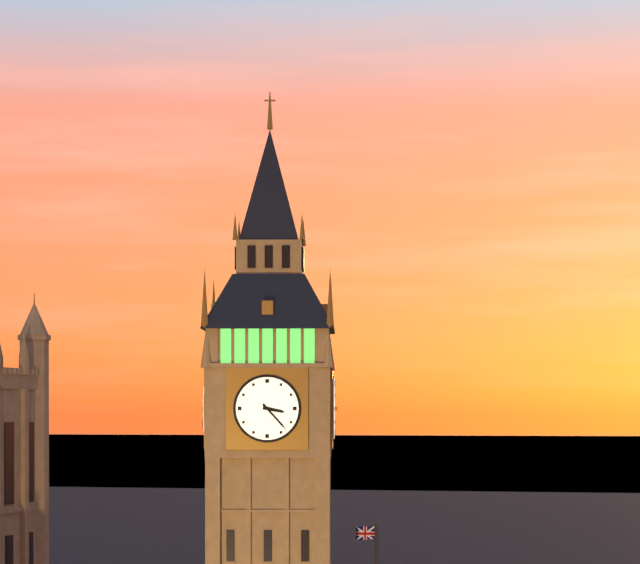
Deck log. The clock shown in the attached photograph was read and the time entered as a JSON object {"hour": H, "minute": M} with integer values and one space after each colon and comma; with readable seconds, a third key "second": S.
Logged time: {"hour": 3, "minute": 23}
